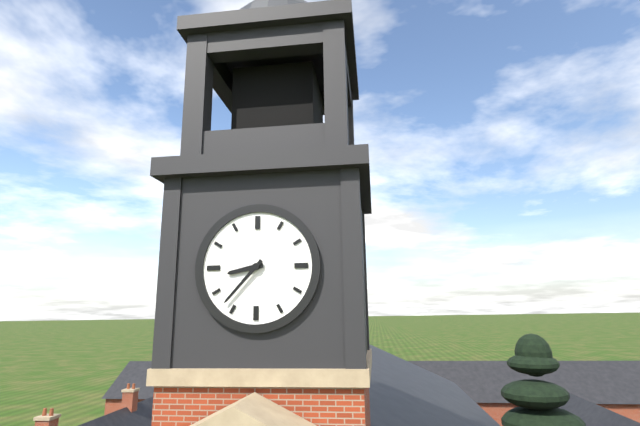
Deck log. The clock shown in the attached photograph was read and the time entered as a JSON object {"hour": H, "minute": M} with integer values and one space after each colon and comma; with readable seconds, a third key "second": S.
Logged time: {"hour": 8, "minute": 37}
